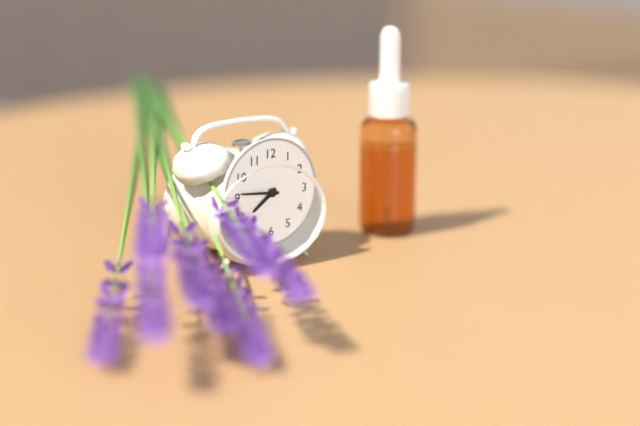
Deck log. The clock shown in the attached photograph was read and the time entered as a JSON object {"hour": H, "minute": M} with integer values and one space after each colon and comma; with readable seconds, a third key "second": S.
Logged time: {"hour": 7, "minute": 46}
